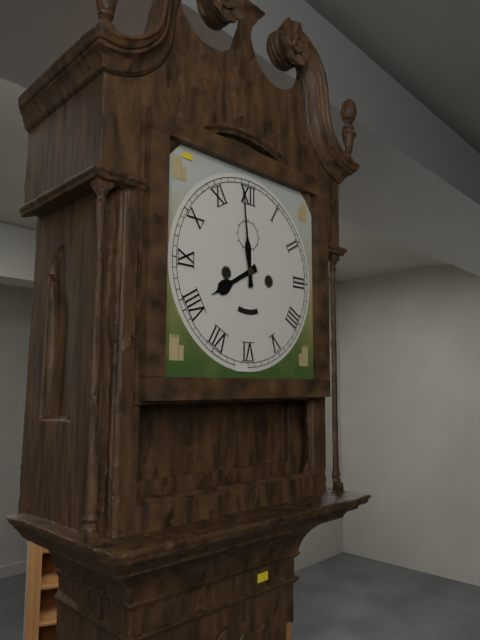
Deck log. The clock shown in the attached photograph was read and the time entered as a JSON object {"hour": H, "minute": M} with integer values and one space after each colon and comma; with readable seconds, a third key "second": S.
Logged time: {"hour": 7, "minute": 59}
